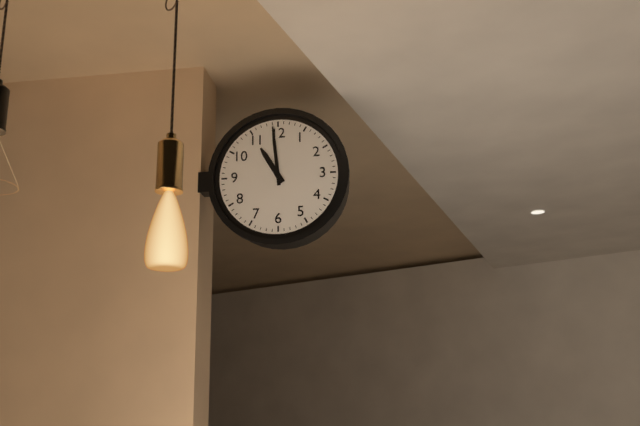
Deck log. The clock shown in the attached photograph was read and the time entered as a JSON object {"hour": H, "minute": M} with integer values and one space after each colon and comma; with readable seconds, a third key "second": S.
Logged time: {"hour": 10, "minute": 59}
